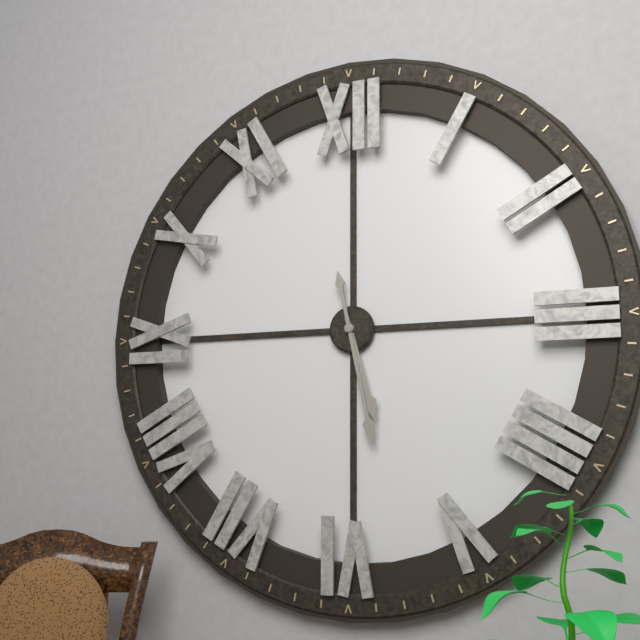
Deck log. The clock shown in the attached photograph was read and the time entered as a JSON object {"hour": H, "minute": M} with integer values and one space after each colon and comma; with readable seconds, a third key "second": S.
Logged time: {"hour": 5, "minute": 28}
